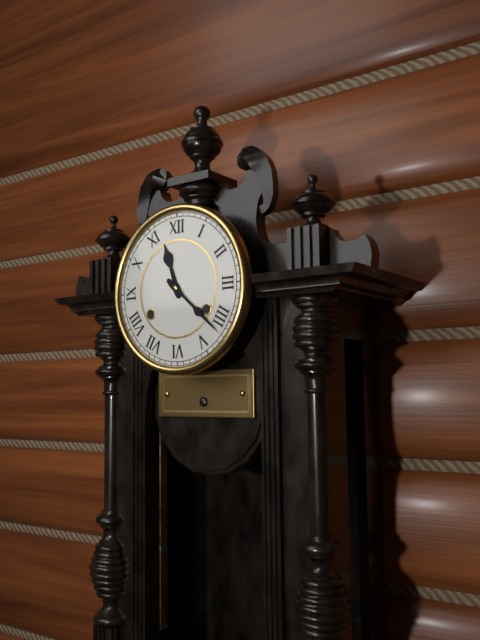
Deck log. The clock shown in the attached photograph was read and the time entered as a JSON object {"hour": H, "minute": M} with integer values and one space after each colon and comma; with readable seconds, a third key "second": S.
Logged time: {"hour": 11, "minute": 22}
